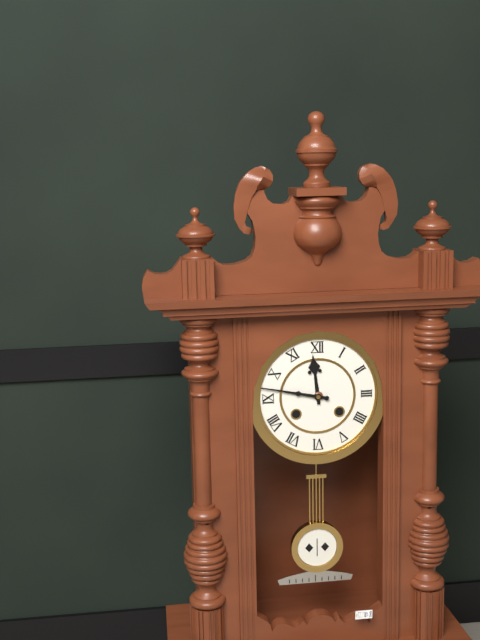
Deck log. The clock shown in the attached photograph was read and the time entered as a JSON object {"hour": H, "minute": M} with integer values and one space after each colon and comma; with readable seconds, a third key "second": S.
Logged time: {"hour": 11, "minute": 47}
